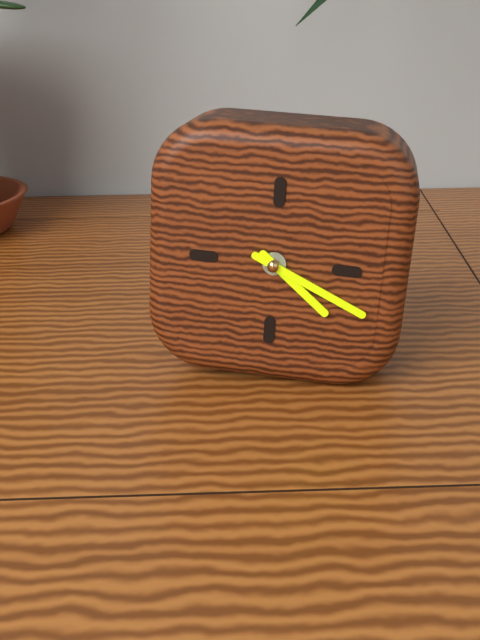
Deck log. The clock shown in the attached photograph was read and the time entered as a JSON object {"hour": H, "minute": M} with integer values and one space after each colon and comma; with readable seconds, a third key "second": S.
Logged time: {"hour": 4, "minute": 19}
